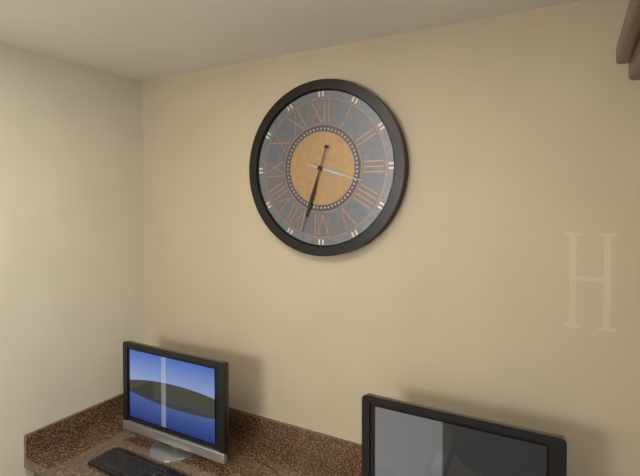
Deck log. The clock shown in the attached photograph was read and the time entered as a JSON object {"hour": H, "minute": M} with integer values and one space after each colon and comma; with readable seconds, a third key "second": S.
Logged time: {"hour": 3, "minute": 33}
